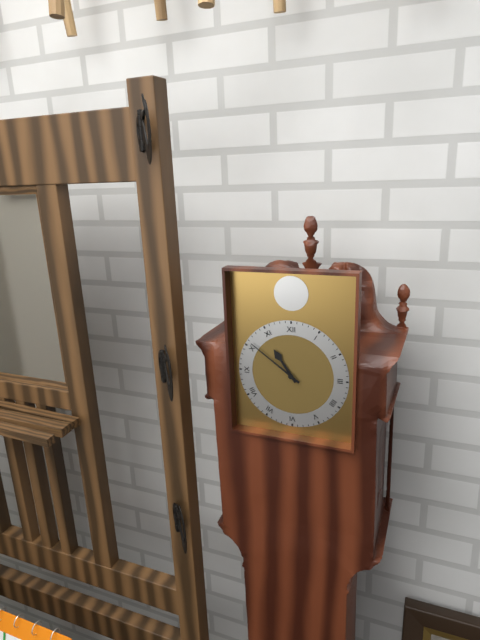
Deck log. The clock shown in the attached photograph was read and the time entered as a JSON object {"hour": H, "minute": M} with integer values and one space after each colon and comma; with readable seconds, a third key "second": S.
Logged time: {"hour": 10, "minute": 51}
